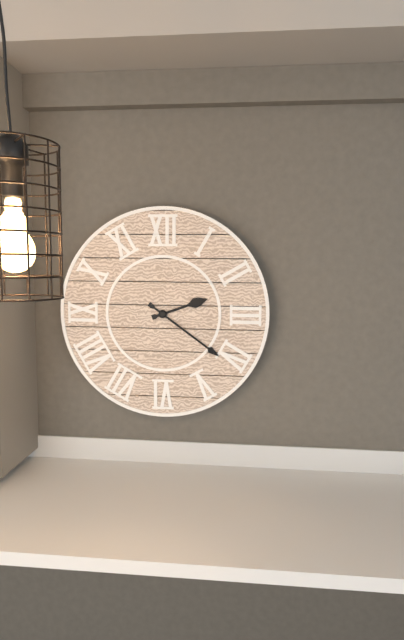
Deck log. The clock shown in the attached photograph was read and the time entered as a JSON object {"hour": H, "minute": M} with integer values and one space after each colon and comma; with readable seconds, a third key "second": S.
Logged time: {"hour": 2, "minute": 21}
